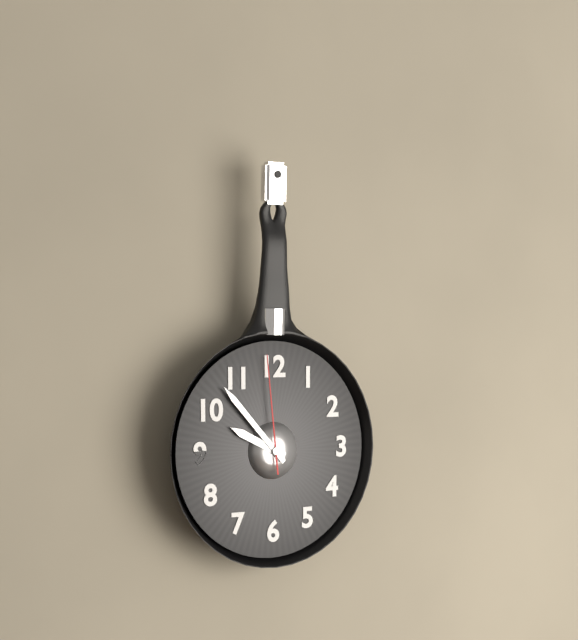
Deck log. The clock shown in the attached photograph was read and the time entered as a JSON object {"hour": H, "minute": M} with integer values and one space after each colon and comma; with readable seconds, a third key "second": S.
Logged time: {"hour": 9, "minute": 53, "second": 59}
